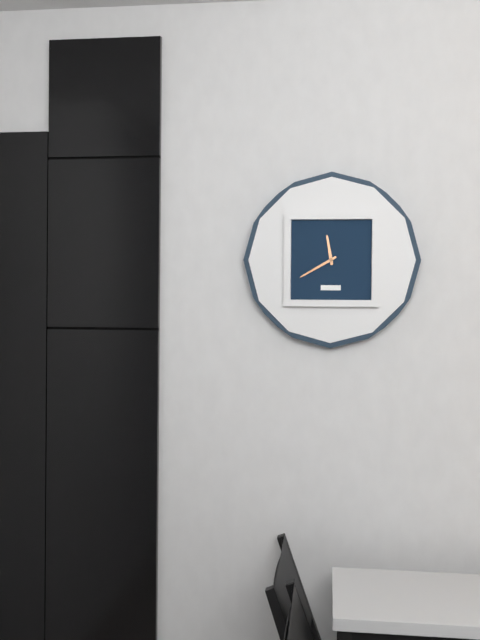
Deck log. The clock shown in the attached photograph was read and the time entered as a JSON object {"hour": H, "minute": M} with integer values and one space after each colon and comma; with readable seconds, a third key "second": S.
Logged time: {"hour": 11, "minute": 40}
